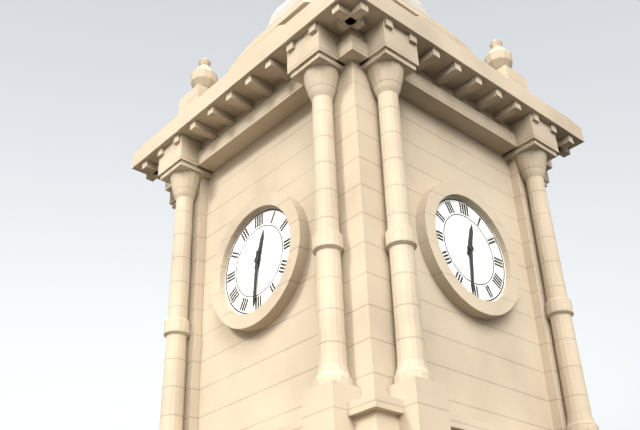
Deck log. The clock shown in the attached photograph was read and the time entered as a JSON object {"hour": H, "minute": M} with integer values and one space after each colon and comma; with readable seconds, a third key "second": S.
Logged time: {"hour": 12, "minute": 31}
